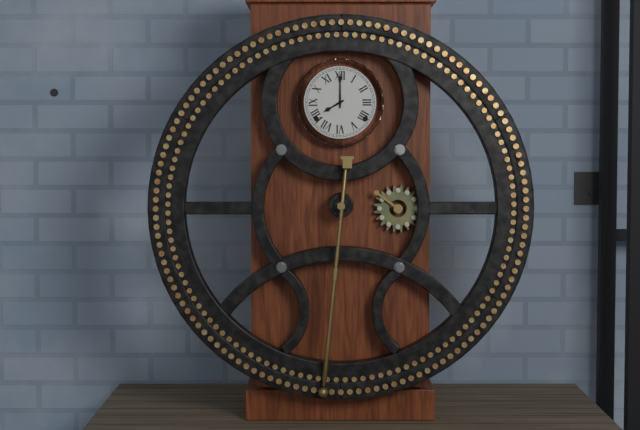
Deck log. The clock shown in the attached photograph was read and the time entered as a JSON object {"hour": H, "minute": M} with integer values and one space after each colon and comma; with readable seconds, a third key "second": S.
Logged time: {"hour": 8, "minute": 0}
